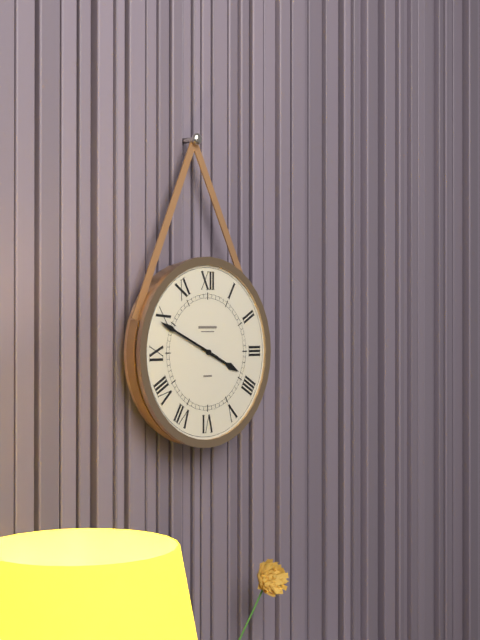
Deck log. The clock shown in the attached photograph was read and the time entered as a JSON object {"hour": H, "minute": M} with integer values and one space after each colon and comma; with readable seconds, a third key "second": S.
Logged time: {"hour": 3, "minute": 49}
